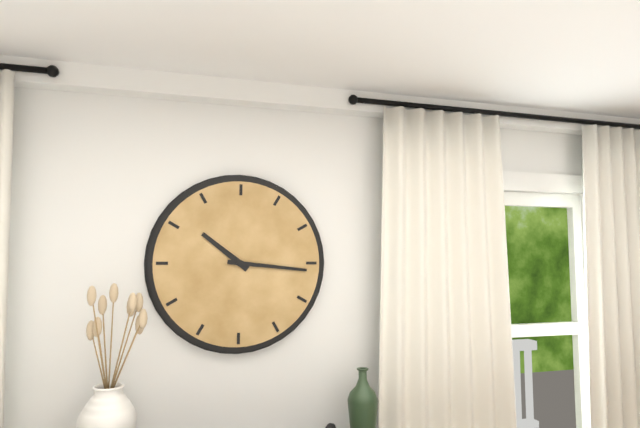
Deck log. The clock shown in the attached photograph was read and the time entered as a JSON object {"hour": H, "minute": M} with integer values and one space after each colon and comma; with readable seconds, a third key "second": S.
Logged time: {"hour": 10, "minute": 16}
